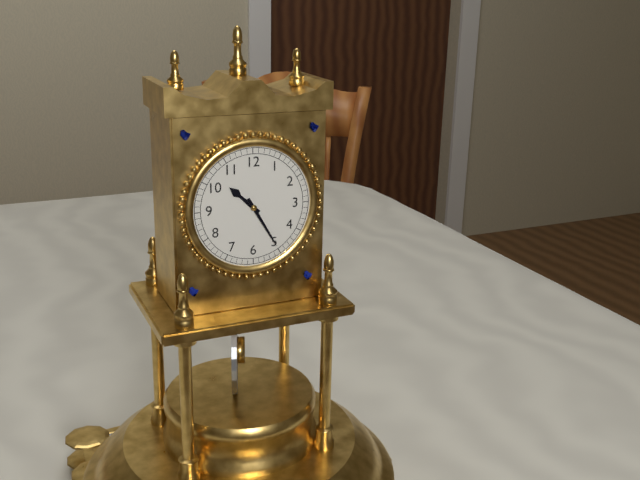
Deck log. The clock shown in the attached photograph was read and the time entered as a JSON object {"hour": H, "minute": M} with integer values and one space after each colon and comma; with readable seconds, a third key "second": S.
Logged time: {"hour": 10, "minute": 25}
